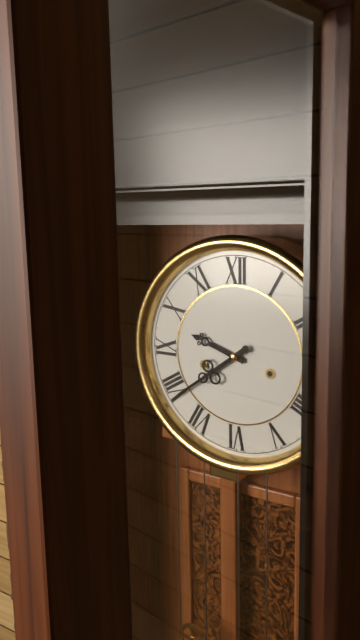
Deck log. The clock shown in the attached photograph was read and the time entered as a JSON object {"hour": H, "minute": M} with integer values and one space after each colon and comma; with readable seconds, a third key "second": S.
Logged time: {"hour": 9, "minute": 39}
